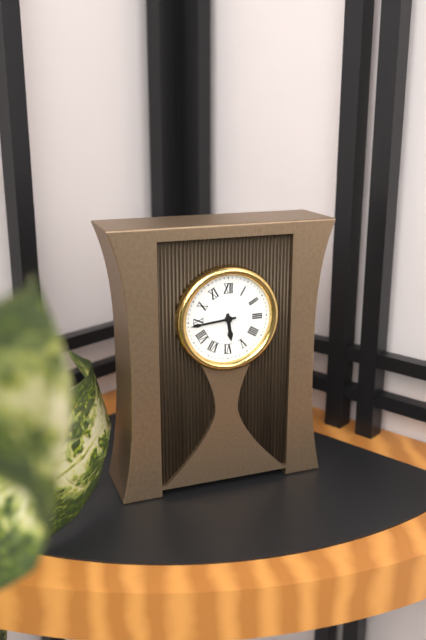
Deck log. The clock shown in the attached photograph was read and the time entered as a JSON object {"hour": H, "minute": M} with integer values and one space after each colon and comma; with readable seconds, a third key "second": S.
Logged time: {"hour": 5, "minute": 44}
